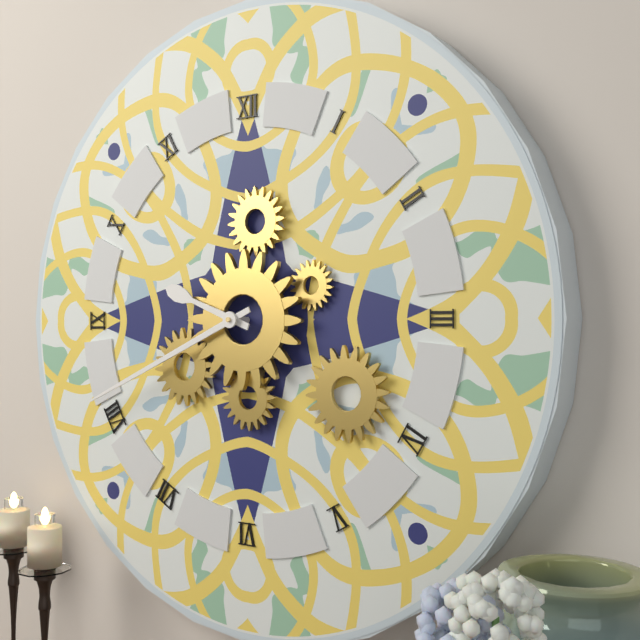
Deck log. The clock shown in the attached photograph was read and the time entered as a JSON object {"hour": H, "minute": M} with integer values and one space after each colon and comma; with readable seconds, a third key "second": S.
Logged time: {"hour": 9, "minute": 41}
